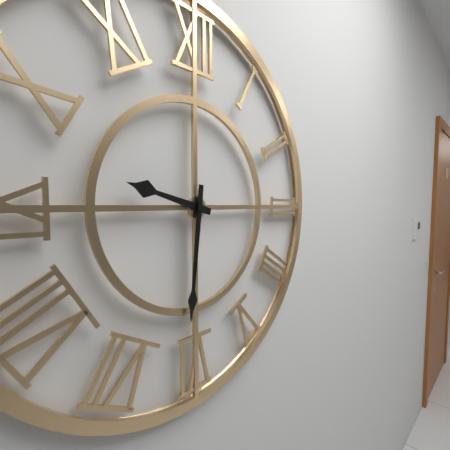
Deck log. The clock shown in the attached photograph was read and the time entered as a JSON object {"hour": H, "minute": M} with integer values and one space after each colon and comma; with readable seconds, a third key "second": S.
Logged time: {"hour": 9, "minute": 31}
